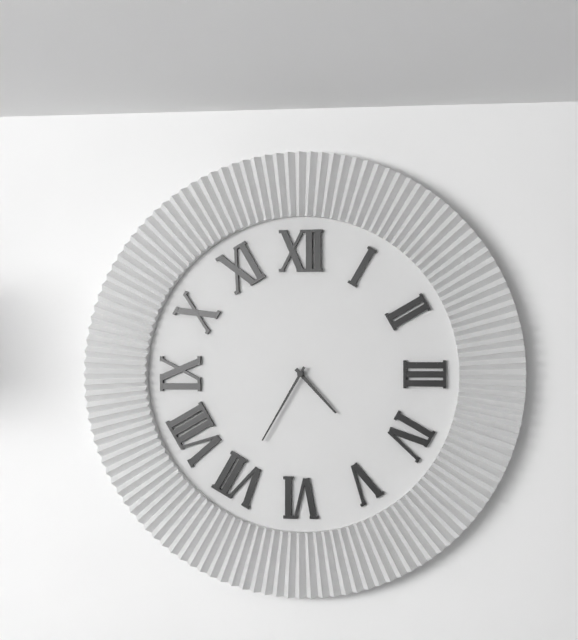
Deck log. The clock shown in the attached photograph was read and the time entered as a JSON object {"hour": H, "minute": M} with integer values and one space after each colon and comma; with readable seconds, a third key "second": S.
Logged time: {"hour": 4, "minute": 35}
